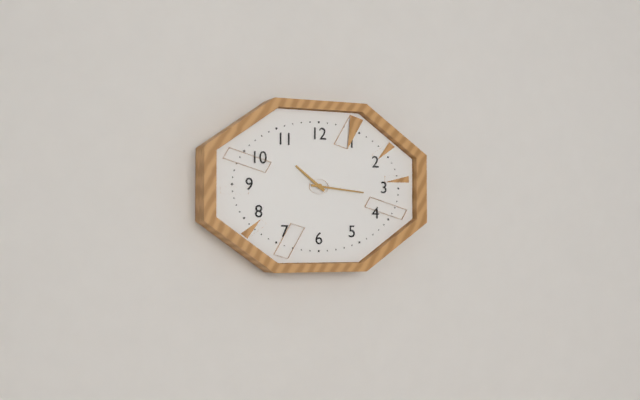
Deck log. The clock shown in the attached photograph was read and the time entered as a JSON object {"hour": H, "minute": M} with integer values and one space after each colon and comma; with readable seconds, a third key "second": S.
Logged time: {"hour": 10, "minute": 16}
